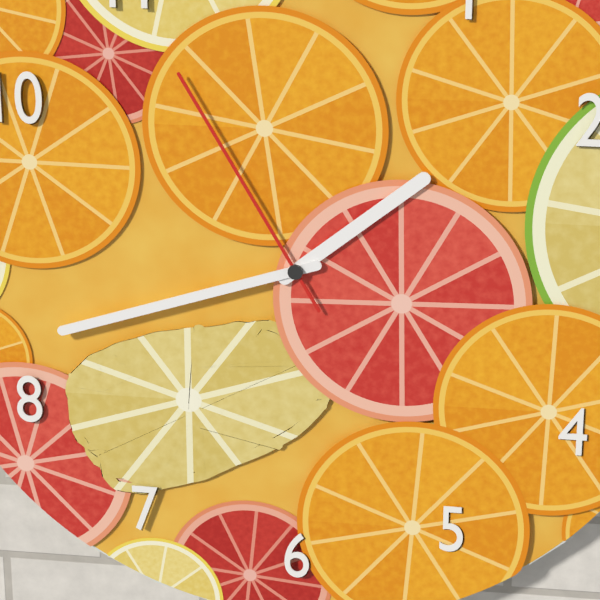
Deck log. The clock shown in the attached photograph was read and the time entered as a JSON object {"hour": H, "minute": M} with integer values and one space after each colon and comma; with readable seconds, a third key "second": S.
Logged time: {"hour": 1, "minute": 42, "second": 55}
